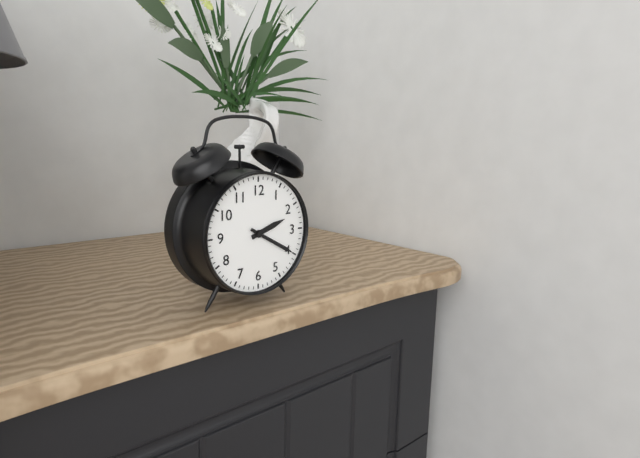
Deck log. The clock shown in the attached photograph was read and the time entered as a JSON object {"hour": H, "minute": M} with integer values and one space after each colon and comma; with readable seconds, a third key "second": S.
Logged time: {"hour": 2, "minute": 20}
